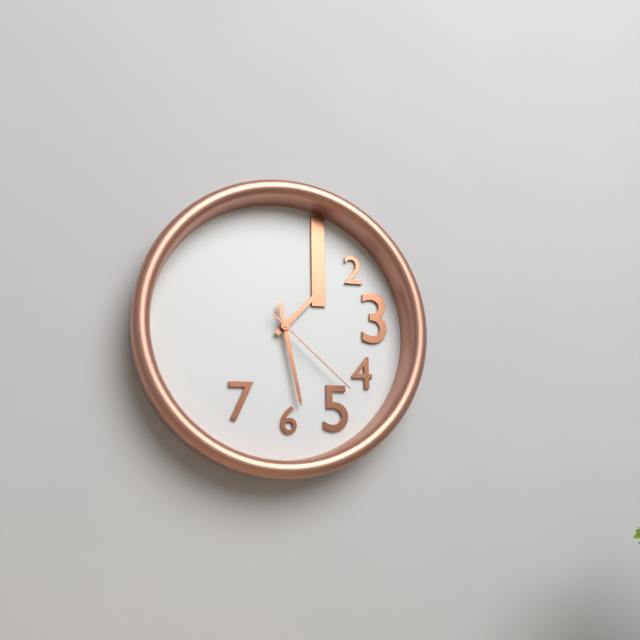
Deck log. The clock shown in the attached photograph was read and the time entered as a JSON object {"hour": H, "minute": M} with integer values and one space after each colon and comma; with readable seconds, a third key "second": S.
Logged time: {"hour": 1, "minute": 28, "second": 22}
